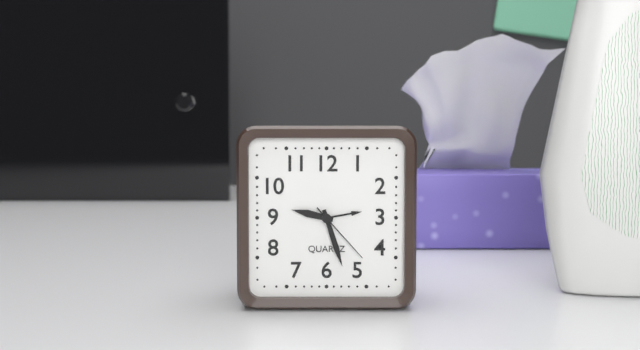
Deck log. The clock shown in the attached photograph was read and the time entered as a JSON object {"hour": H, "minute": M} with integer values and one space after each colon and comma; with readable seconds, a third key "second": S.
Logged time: {"hour": 9, "minute": 27, "second": 23}
